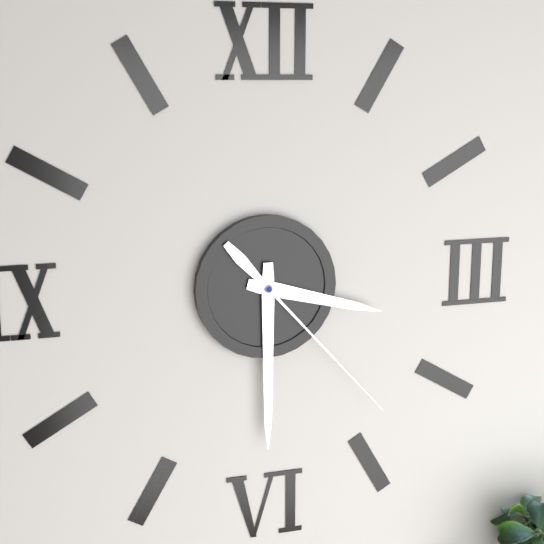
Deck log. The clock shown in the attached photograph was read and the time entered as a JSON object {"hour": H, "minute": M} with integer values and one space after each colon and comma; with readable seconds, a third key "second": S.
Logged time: {"hour": 3, "minute": 30, "second": 23}
